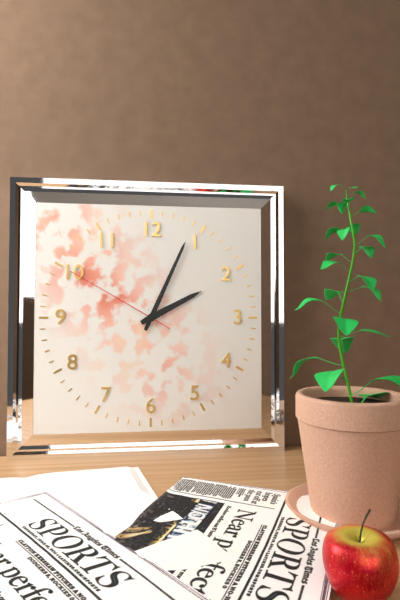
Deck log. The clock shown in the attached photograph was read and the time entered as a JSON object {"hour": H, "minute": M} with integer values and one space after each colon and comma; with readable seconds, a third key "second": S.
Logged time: {"hour": 2, "minute": 4, "second": 50}
